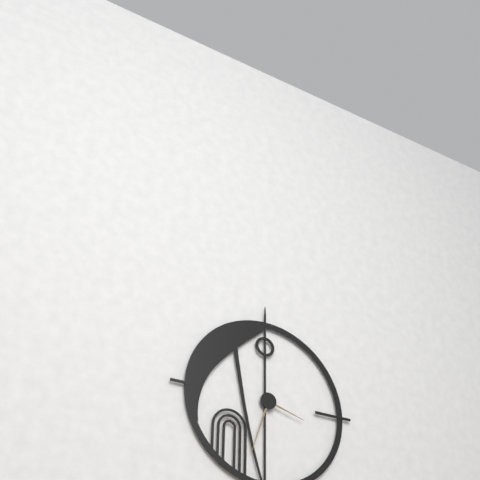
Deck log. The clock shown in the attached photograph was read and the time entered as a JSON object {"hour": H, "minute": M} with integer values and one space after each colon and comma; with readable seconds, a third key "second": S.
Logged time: {"hour": 3, "minute": 33}
